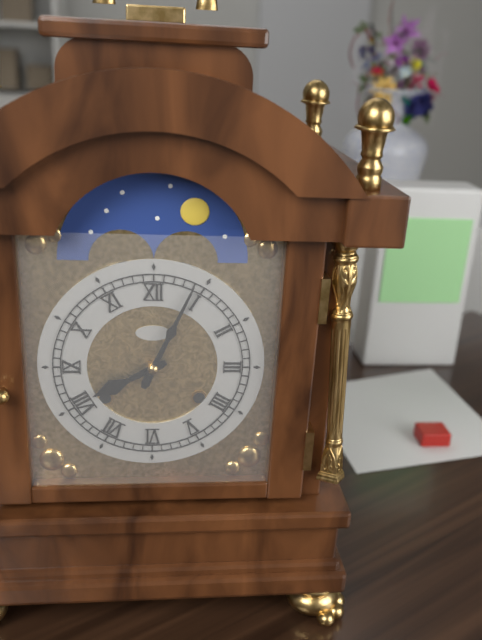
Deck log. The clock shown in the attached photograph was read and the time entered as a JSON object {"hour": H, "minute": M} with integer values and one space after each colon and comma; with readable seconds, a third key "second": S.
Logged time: {"hour": 8, "minute": 4}
